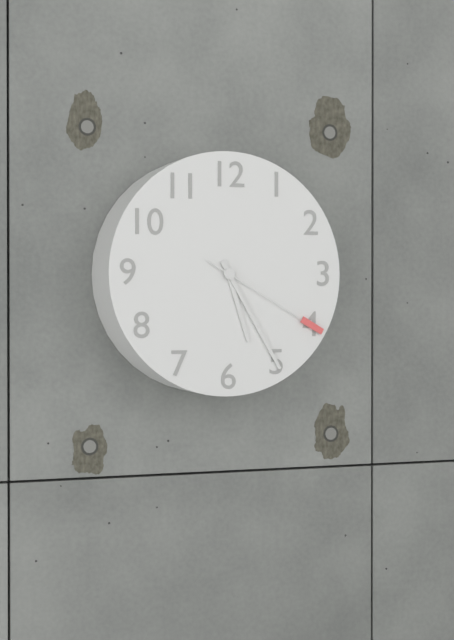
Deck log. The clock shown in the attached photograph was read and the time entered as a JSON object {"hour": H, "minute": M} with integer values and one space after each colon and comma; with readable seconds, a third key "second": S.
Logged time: {"hour": 5, "minute": 25, "second": 20}
